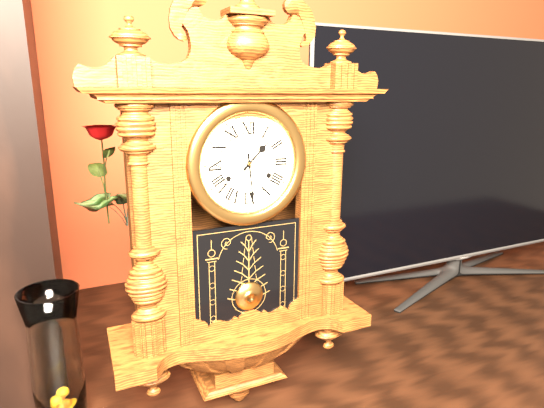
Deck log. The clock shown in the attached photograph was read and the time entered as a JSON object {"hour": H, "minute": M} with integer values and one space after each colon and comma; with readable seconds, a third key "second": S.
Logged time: {"hour": 1, "minute": 29}
